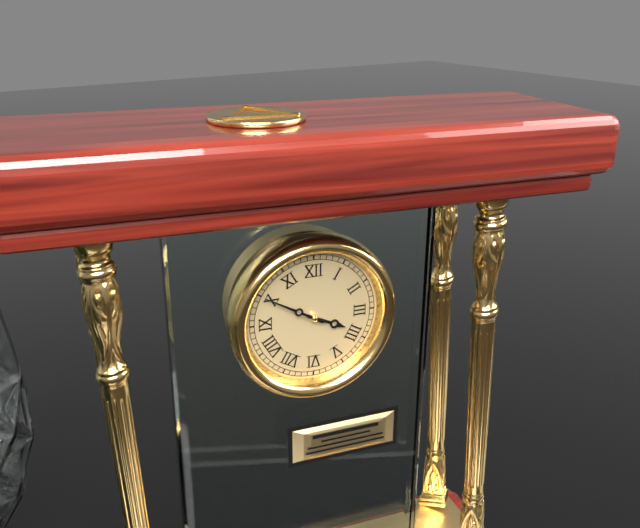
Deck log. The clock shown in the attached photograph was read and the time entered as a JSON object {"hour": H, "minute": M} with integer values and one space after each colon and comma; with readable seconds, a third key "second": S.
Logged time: {"hour": 3, "minute": 50}
